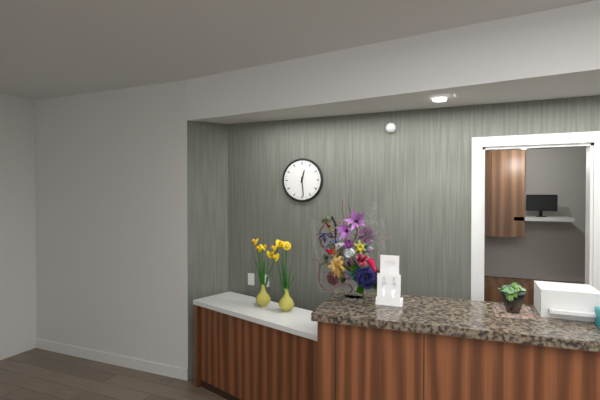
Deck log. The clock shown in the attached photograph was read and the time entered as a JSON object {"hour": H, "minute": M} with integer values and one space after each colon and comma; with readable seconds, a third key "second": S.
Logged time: {"hour": 12, "minute": 29}
